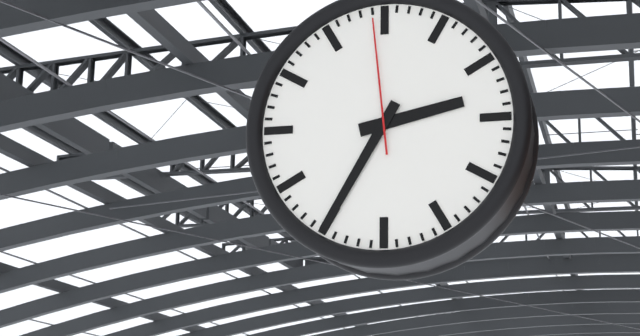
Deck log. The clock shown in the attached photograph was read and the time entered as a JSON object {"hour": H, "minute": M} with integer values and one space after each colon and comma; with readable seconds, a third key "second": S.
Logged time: {"hour": 2, "minute": 35, "second": 59}
